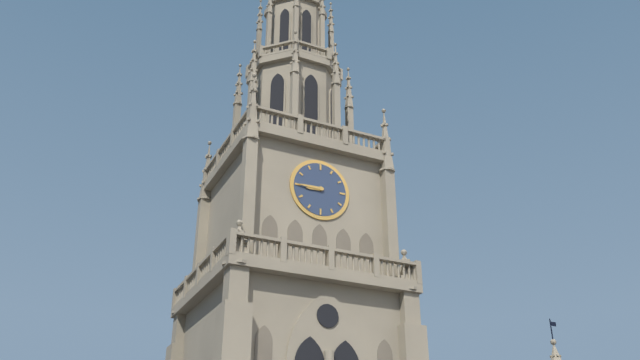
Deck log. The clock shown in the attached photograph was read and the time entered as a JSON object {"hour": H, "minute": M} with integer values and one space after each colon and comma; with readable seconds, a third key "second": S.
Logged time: {"hour": 8, "minute": 45}
